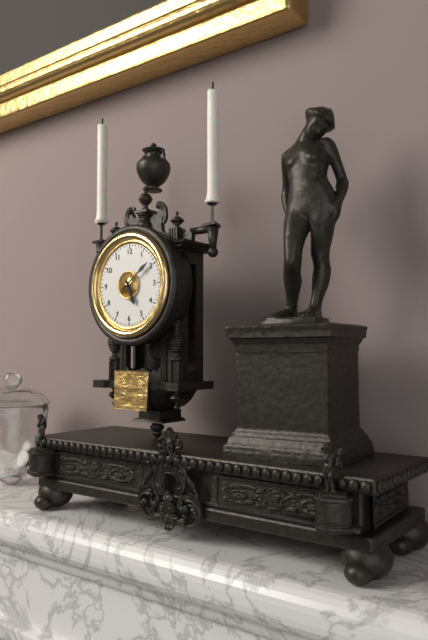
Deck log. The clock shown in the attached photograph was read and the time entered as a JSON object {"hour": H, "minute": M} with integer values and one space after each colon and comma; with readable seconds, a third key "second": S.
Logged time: {"hour": 5, "minute": 9}
